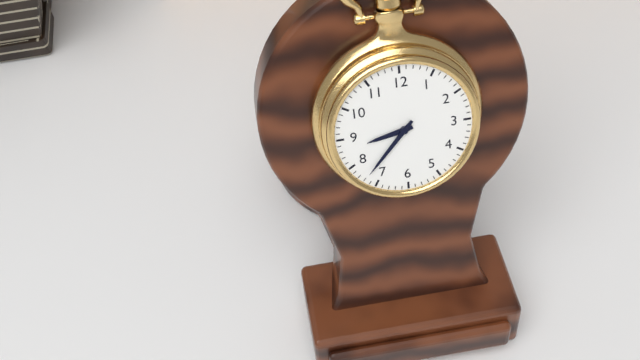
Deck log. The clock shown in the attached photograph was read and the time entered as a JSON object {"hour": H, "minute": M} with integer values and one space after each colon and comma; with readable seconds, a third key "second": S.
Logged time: {"hour": 8, "minute": 37}
